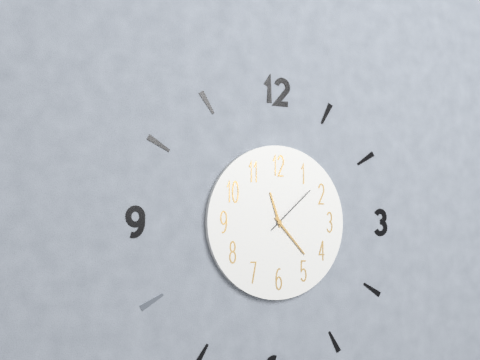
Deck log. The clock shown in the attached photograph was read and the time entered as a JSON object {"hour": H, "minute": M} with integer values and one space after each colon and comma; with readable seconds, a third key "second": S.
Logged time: {"hour": 11, "minute": 23, "second": 8}
